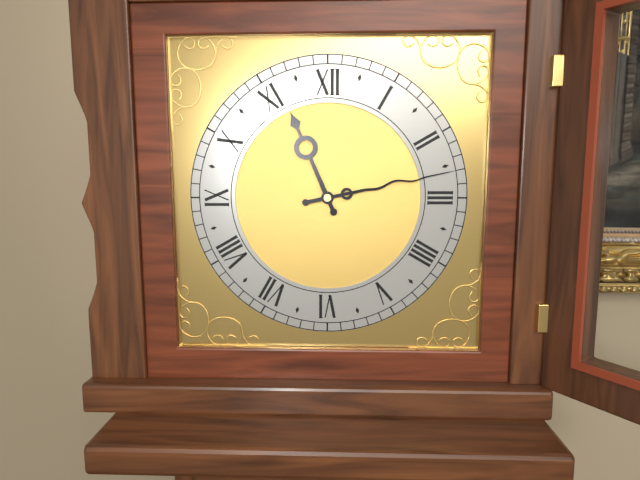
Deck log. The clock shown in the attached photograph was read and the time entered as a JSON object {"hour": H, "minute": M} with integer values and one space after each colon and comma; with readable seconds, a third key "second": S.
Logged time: {"hour": 11, "minute": 13}
